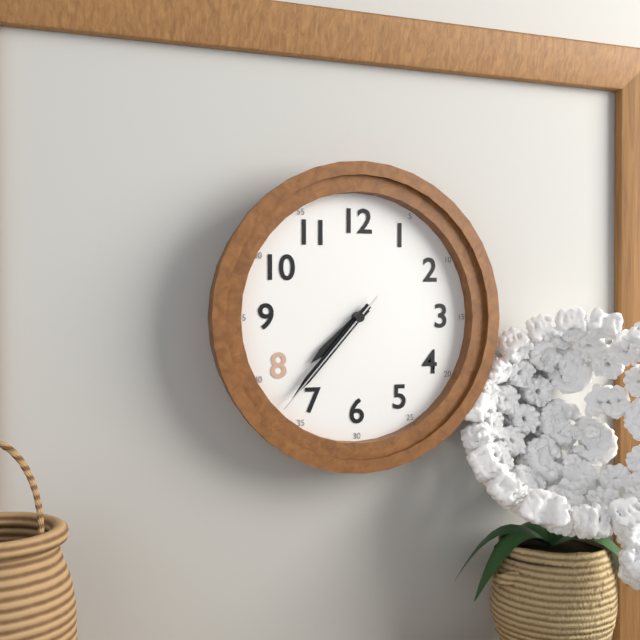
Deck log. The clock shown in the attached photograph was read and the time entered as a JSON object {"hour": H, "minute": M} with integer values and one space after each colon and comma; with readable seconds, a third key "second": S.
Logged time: {"hour": 7, "minute": 37, "second": 37}
